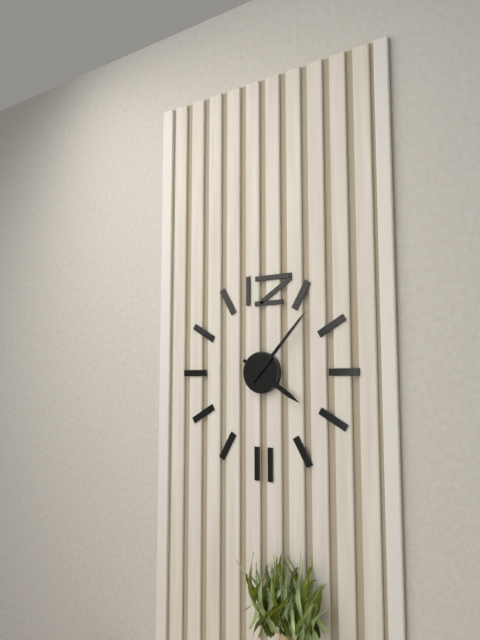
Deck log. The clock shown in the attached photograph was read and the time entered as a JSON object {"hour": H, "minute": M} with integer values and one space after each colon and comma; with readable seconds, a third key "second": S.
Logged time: {"hour": 4, "minute": 7}
